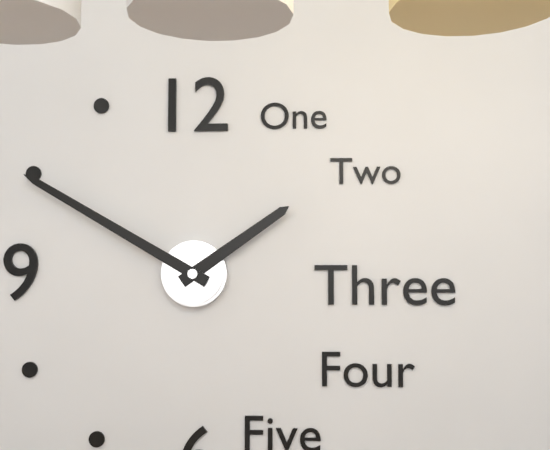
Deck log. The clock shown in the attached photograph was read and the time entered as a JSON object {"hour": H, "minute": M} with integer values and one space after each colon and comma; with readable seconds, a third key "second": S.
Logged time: {"hour": 1, "minute": 50}
